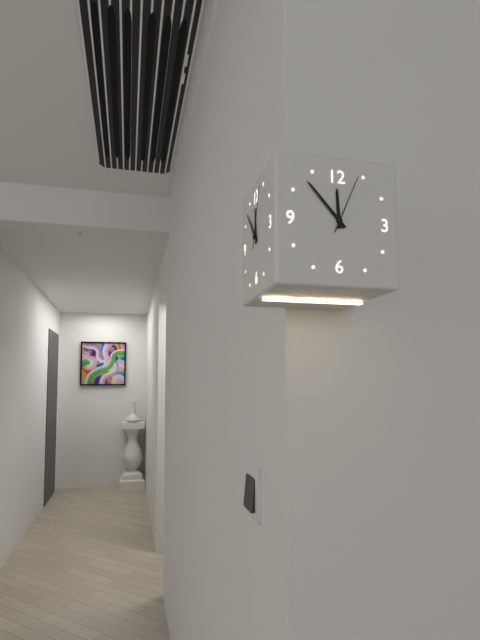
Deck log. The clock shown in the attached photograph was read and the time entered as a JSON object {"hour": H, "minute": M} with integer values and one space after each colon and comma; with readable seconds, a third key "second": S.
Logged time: {"hour": 11, "minute": 53, "second": 4}
